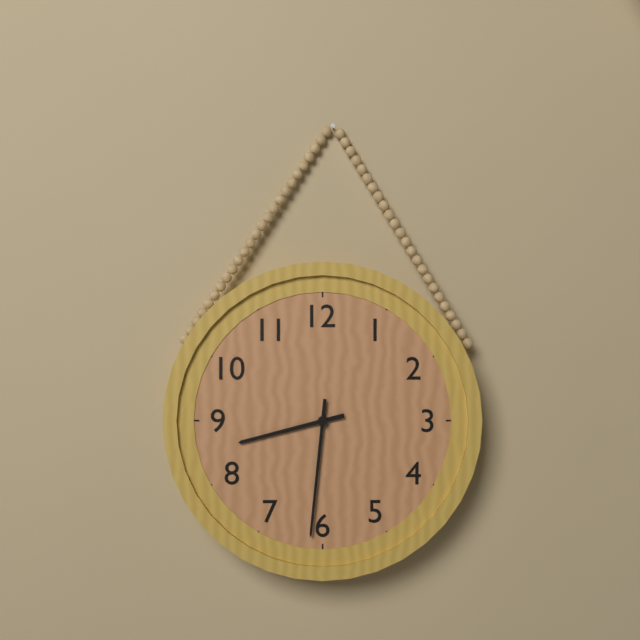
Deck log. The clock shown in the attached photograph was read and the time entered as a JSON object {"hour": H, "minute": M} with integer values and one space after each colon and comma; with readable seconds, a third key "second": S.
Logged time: {"hour": 8, "minute": 31}
